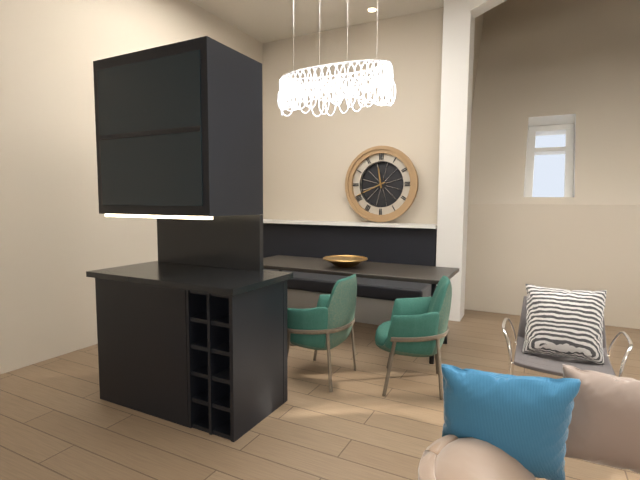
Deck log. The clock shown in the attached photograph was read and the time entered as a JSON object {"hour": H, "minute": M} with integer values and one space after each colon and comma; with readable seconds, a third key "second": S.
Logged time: {"hour": 11, "minute": 41}
